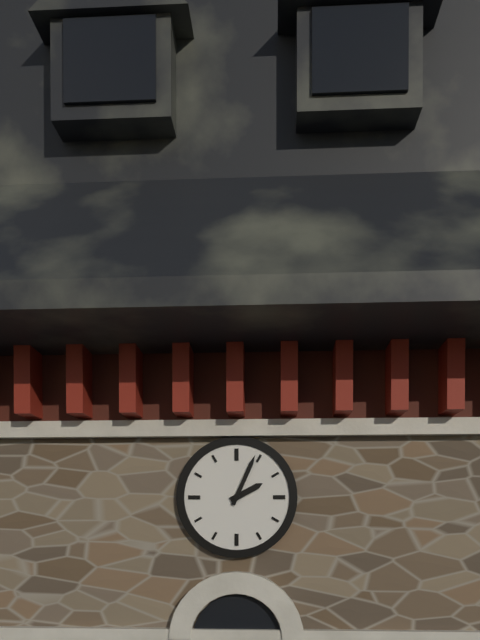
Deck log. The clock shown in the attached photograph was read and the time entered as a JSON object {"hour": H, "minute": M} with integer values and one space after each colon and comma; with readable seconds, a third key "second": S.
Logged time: {"hour": 2, "minute": 4}
